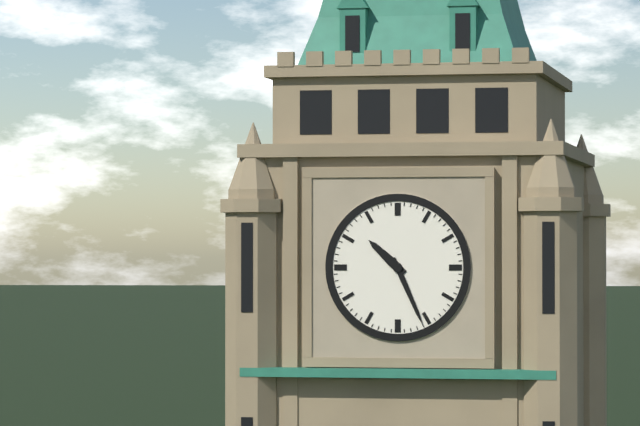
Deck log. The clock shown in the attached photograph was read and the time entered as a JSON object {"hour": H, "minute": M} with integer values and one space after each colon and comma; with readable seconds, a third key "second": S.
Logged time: {"hour": 10, "minute": 26}
